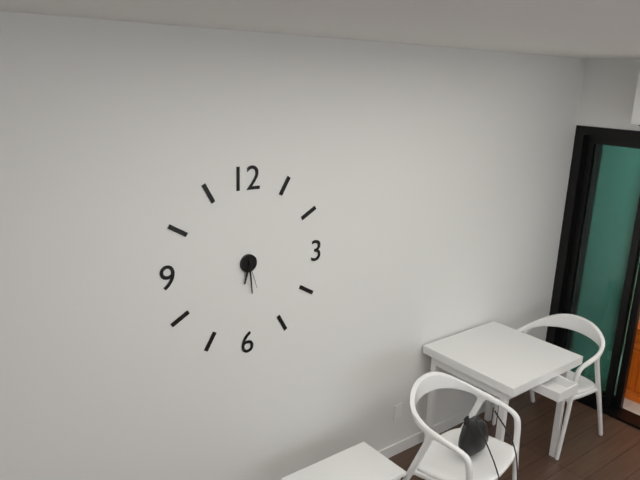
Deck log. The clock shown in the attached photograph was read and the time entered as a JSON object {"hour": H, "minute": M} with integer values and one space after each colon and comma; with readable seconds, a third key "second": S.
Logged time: {"hour": 6, "minute": 29}
